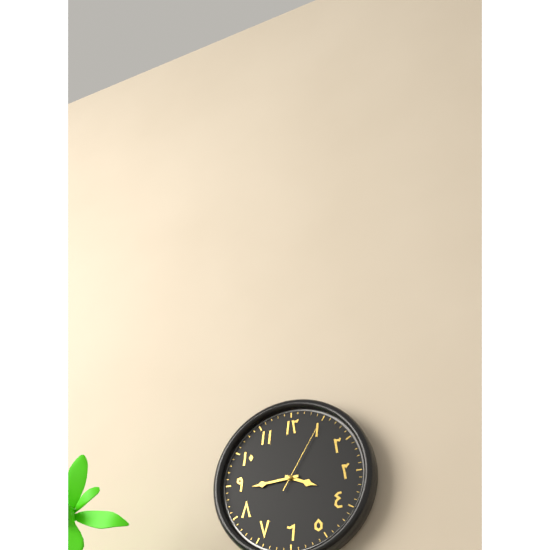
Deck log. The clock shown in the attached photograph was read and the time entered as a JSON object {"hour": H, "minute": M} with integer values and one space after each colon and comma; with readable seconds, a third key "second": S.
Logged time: {"hour": 3, "minute": 44, "second": 5}
